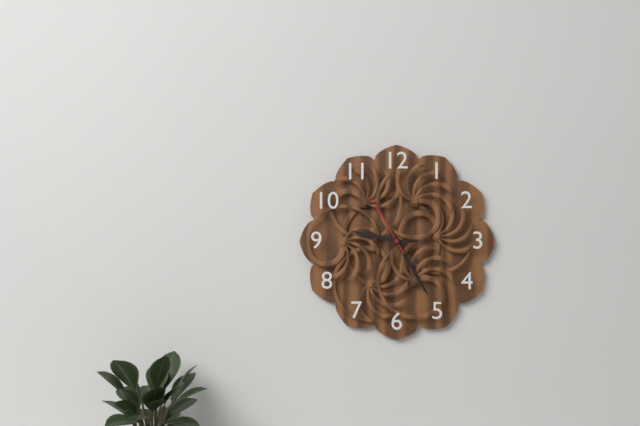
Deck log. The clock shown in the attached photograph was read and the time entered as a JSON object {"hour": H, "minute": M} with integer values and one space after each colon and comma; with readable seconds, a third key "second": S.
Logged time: {"hour": 9, "minute": 25, "second": 55}
